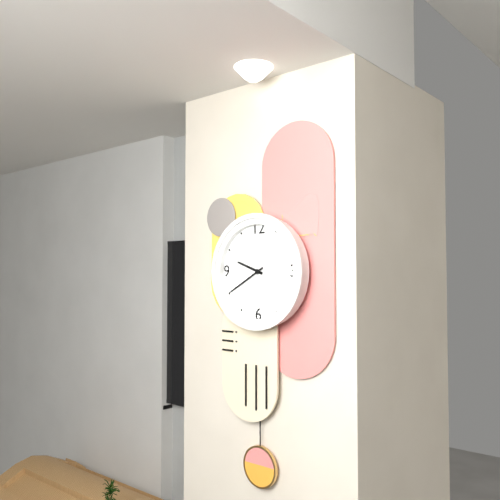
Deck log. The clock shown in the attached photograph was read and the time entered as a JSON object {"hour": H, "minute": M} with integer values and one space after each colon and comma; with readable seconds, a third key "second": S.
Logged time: {"hour": 9, "minute": 40}
